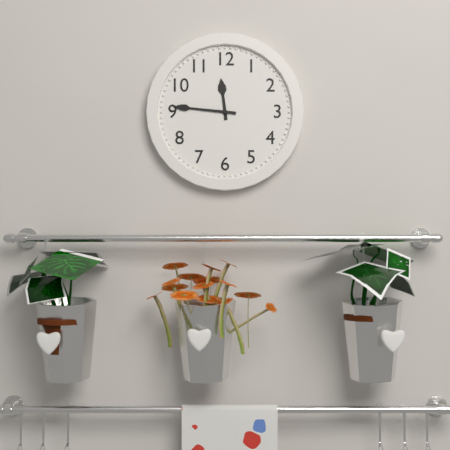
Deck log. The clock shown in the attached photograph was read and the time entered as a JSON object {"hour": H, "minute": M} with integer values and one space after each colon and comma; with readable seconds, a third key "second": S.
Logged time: {"hour": 11, "minute": 46}
